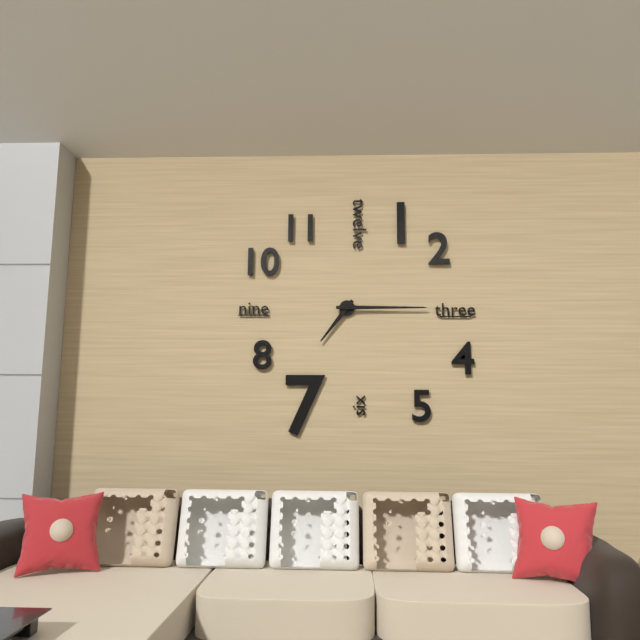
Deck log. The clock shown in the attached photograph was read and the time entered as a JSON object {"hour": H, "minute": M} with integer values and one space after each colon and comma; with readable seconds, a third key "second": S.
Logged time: {"hour": 7, "minute": 15}
